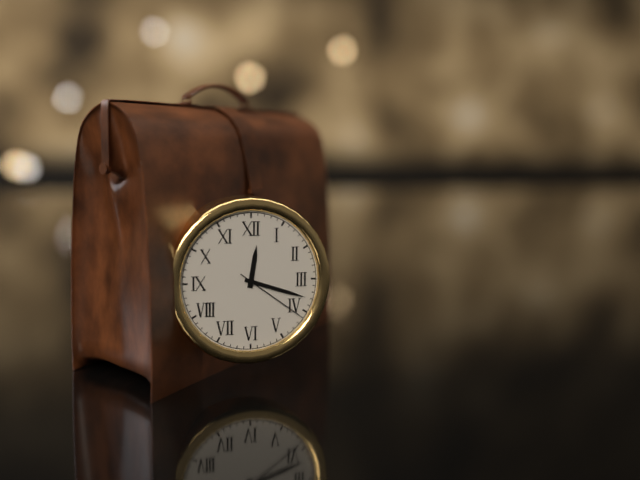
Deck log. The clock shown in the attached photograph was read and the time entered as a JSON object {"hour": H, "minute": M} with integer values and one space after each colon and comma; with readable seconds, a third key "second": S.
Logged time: {"hour": 12, "minute": 18, "second": 21}
